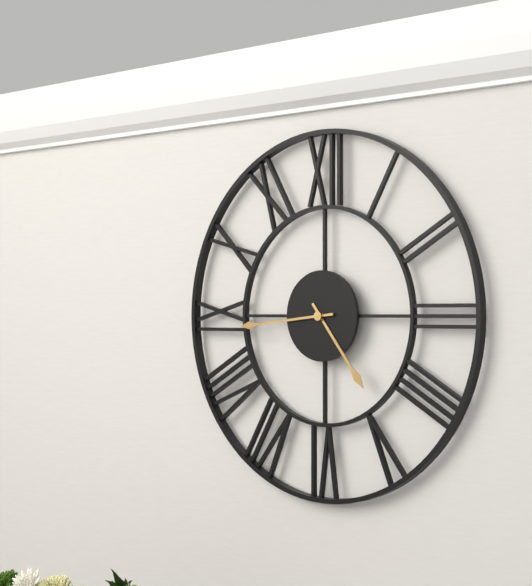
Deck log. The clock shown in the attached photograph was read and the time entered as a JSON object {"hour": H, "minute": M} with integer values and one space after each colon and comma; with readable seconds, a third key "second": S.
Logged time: {"hour": 4, "minute": 44}
